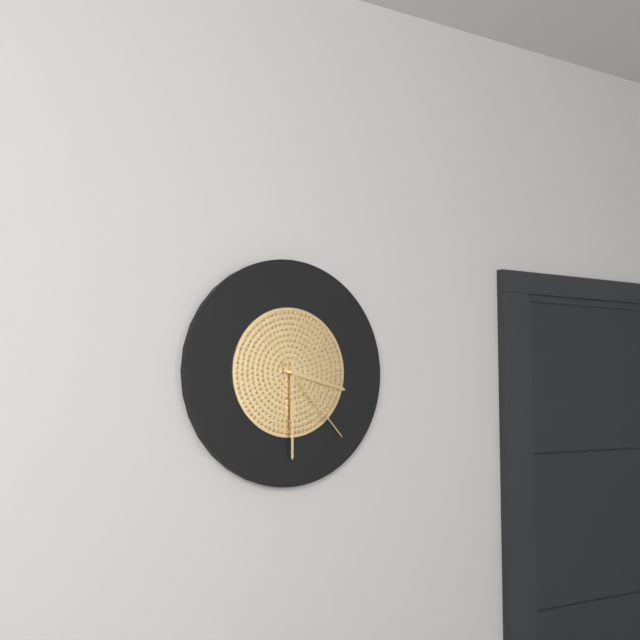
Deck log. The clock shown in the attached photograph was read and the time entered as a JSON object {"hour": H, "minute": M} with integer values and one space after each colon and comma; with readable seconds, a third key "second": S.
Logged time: {"hour": 3, "minute": 30, "second": 23}
